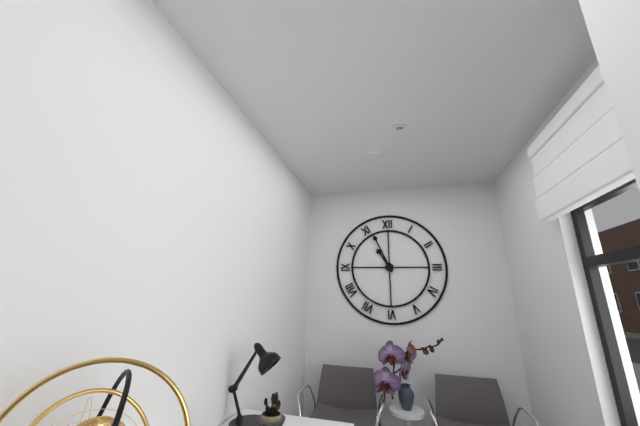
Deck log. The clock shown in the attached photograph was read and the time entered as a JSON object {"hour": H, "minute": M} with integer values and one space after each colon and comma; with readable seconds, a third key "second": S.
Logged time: {"hour": 10, "minute": 56}
